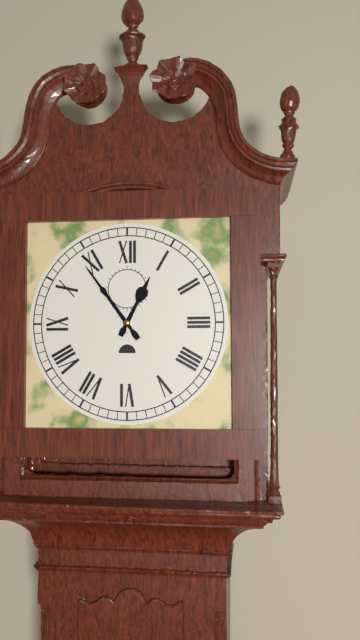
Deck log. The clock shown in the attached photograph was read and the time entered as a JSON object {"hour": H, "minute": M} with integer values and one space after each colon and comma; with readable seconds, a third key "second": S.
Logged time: {"hour": 12, "minute": 54}
